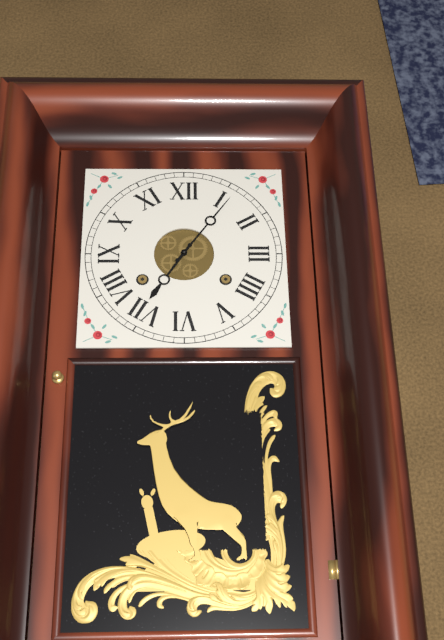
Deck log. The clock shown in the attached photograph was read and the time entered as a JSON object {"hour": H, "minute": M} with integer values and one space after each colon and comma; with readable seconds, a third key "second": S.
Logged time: {"hour": 7, "minute": 6}
